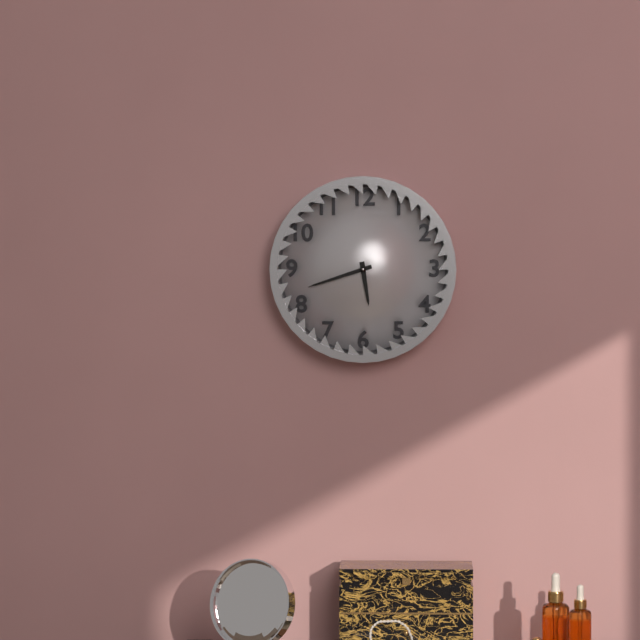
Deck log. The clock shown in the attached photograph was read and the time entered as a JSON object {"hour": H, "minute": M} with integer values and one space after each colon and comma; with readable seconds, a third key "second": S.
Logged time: {"hour": 5, "minute": 42}
